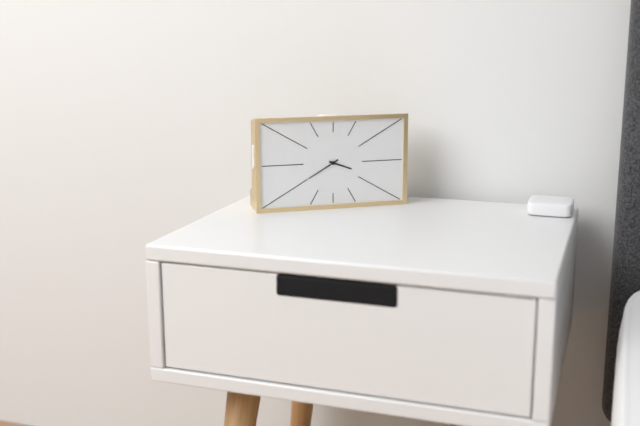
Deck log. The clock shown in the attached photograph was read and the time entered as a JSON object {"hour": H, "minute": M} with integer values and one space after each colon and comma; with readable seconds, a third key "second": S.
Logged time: {"hour": 3, "minute": 40}
